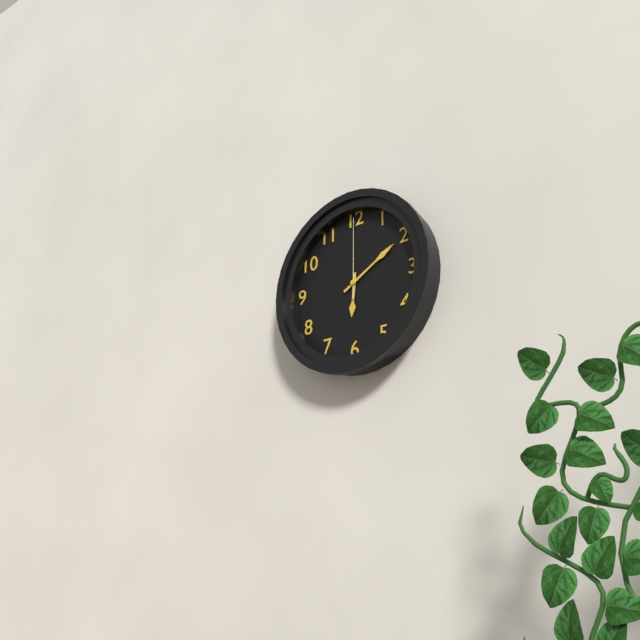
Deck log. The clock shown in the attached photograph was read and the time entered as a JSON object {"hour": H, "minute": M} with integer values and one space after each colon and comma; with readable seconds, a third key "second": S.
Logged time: {"hour": 6, "minute": 10, "second": 0}
